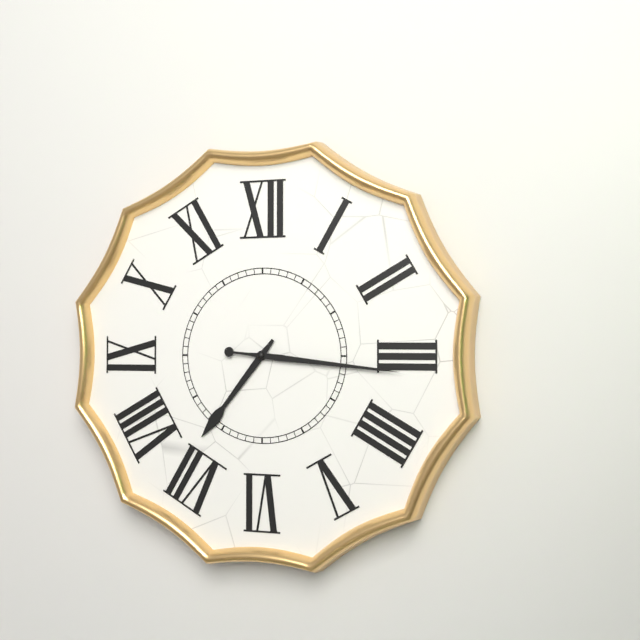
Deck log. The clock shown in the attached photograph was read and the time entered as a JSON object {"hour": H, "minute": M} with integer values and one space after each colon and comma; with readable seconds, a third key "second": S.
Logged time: {"hour": 7, "minute": 16}
